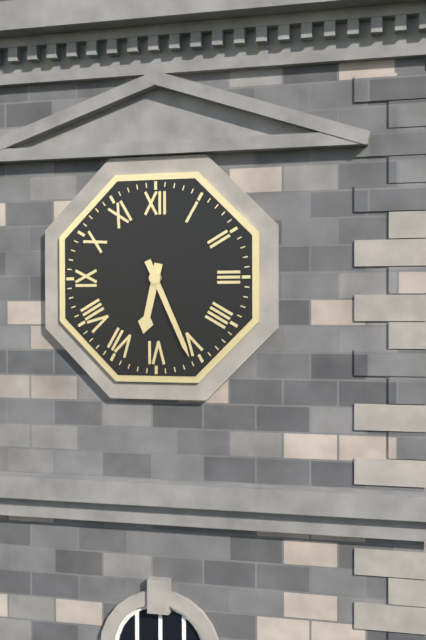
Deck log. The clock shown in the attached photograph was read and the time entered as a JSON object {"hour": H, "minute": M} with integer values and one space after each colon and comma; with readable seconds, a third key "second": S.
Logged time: {"hour": 6, "minute": 26}
